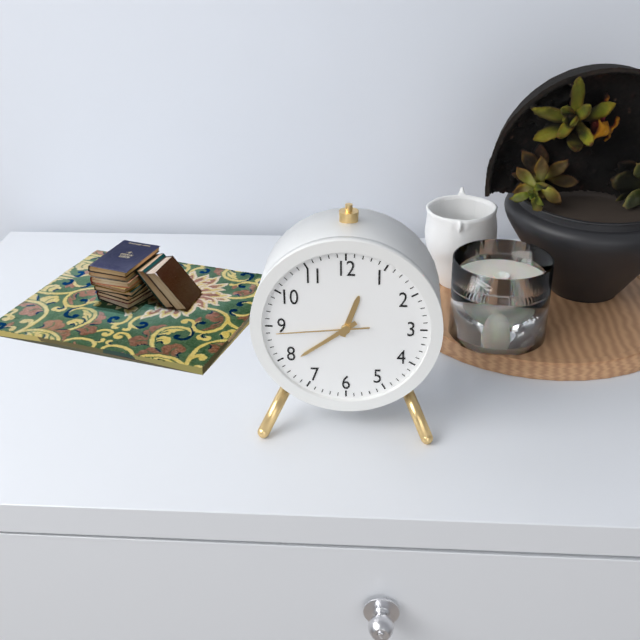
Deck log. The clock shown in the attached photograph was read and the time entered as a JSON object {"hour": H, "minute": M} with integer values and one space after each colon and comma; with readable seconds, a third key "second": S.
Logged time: {"hour": 12, "minute": 39, "second": 44}
